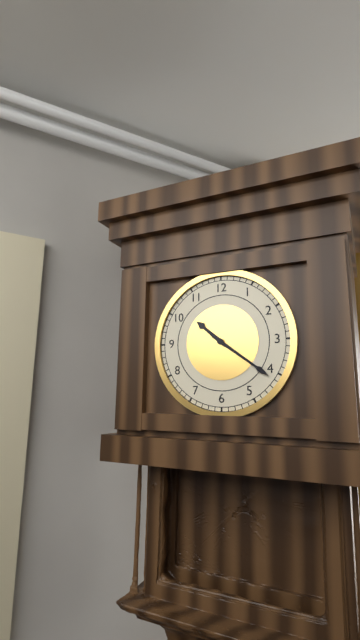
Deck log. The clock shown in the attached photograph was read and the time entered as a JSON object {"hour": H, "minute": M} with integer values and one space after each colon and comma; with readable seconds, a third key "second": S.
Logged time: {"hour": 10, "minute": 21}
